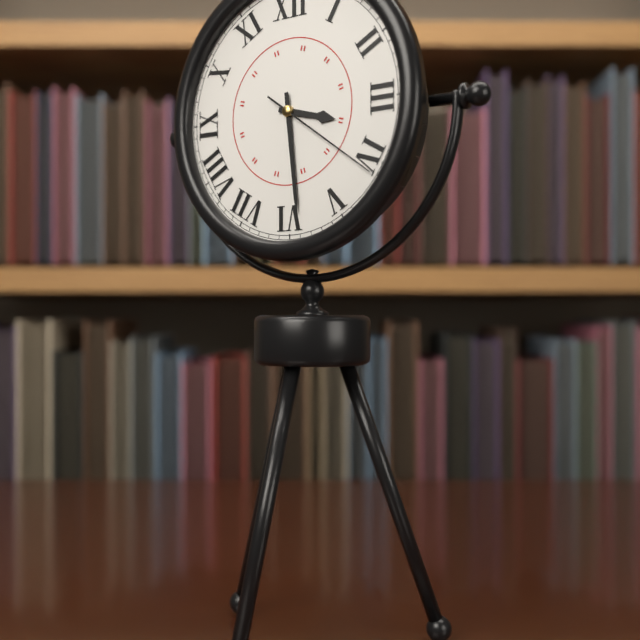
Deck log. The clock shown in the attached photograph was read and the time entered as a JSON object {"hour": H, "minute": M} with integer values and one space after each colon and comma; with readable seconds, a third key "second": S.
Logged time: {"hour": 3, "minute": 29, "second": 21}
